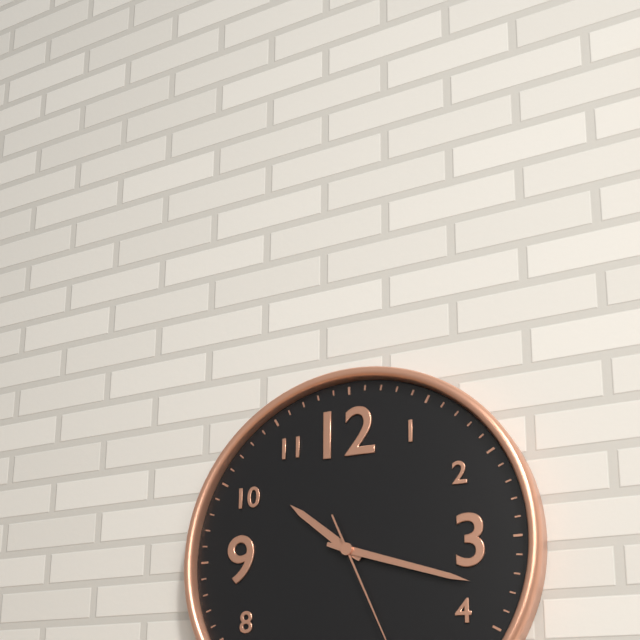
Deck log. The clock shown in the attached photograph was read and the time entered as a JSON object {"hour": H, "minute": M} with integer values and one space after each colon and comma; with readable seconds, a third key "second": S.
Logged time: {"hour": 10, "minute": 18}
